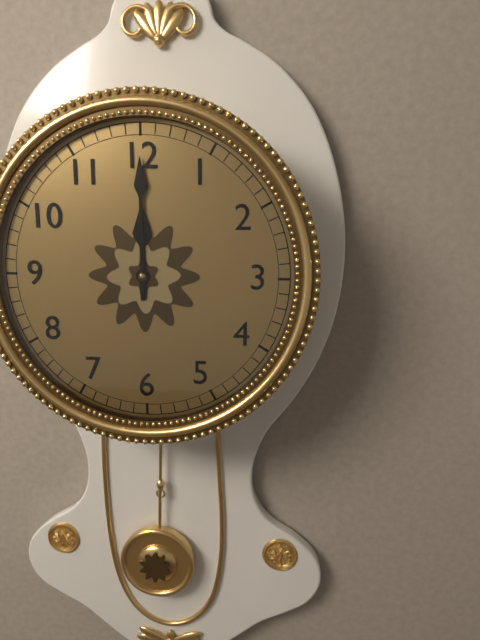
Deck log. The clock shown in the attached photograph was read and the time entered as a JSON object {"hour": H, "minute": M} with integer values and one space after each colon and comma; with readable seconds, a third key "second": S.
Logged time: {"hour": 12, "minute": 0}
